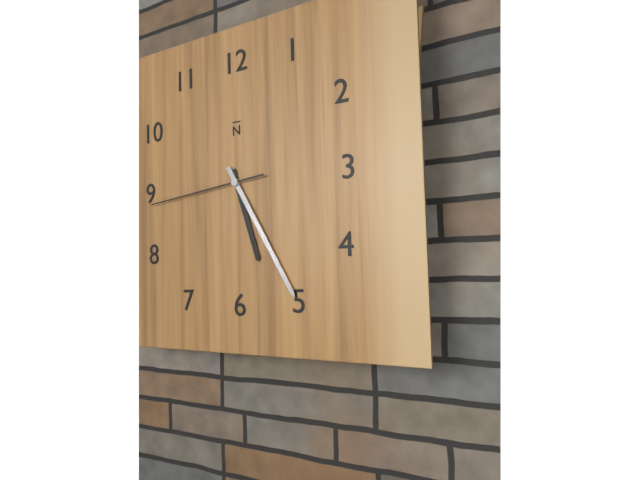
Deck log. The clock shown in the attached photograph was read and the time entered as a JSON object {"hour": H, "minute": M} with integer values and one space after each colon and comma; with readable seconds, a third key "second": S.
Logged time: {"hour": 5, "minute": 25, "second": 44}
